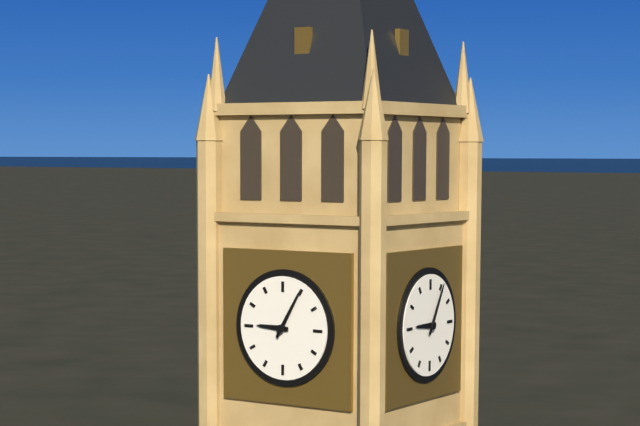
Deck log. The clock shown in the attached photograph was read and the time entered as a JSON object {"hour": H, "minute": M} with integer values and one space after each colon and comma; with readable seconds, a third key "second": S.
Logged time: {"hour": 9, "minute": 5}
